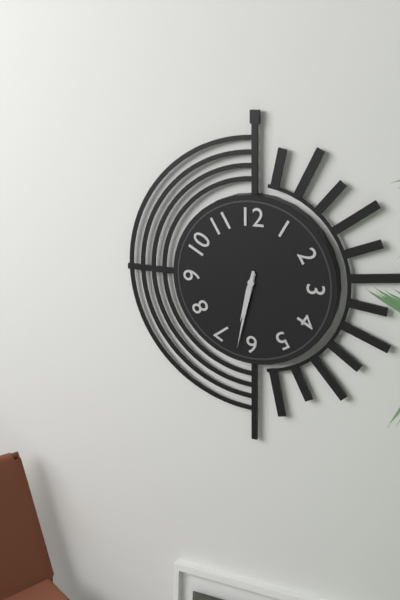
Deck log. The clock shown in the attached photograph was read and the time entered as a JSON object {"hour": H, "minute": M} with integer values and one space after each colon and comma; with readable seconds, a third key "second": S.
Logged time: {"hour": 6, "minute": 32}
